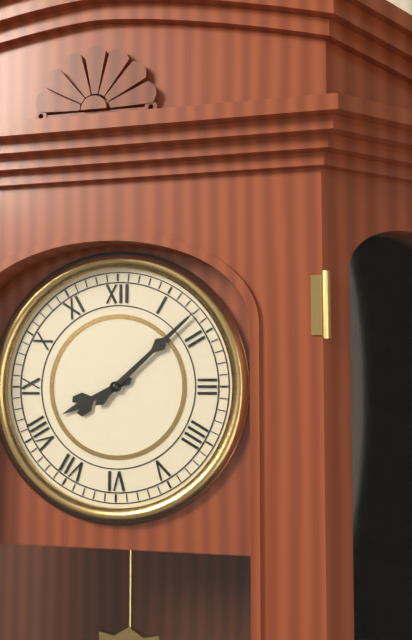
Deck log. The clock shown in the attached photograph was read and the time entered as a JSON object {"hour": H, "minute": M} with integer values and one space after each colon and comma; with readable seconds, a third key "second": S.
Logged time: {"hour": 8, "minute": 8}
